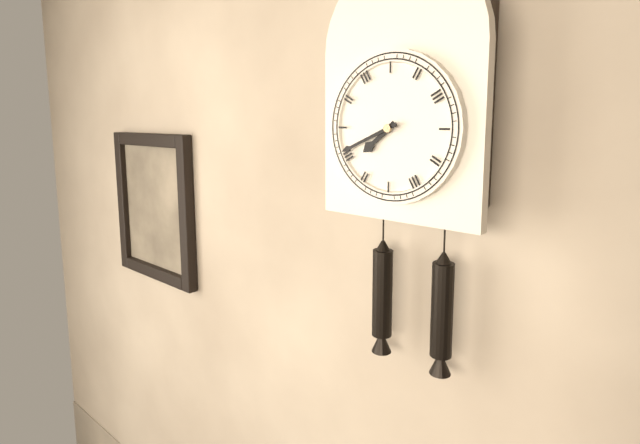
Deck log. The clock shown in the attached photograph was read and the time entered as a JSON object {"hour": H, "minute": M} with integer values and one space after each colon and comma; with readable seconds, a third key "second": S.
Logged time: {"hour": 7, "minute": 41}
